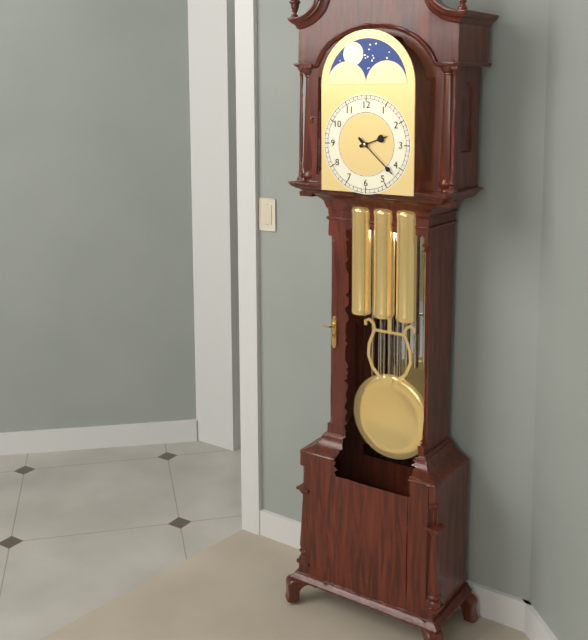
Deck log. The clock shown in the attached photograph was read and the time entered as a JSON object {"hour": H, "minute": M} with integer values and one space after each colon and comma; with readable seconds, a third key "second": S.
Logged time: {"hour": 2, "minute": 22}
